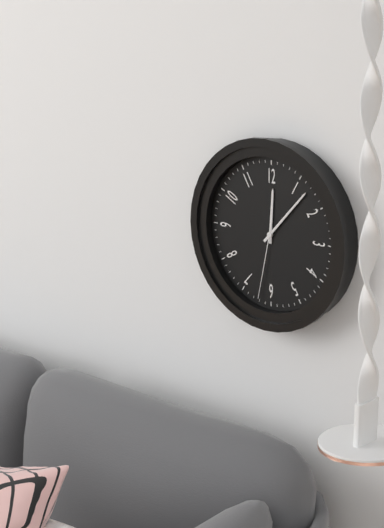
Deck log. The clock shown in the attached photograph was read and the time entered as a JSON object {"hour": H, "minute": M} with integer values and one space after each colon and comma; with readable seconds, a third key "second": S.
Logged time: {"hour": 12, "minute": 7, "second": 32}
